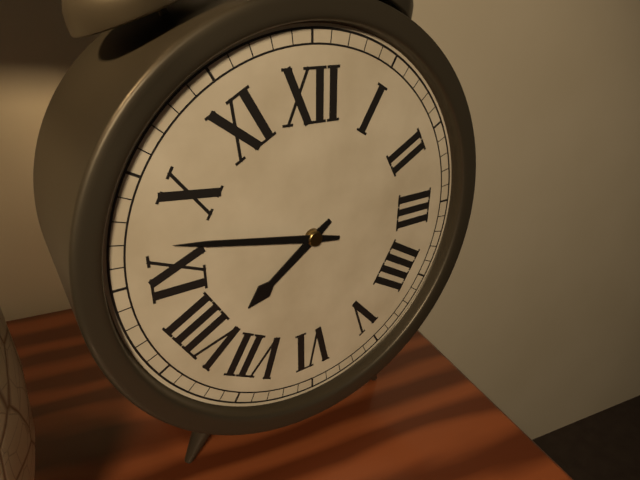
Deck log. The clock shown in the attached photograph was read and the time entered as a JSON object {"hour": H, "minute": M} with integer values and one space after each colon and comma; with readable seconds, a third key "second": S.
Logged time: {"hour": 7, "minute": 47}
